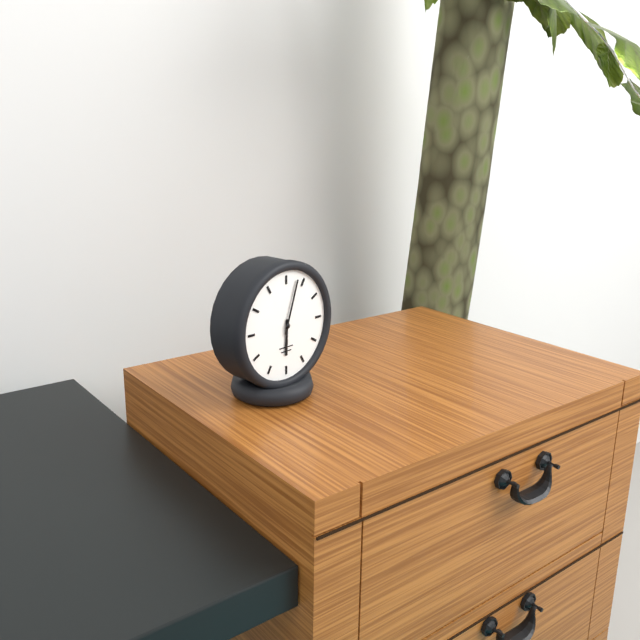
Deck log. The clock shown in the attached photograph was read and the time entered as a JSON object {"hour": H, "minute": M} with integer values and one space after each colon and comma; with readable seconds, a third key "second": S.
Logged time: {"hour": 6, "minute": 3}
